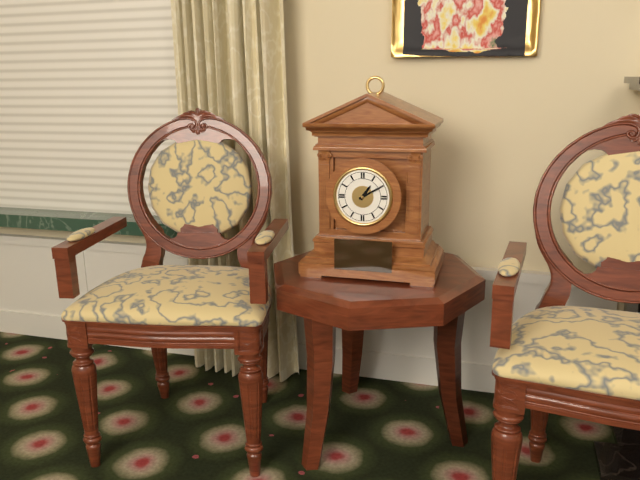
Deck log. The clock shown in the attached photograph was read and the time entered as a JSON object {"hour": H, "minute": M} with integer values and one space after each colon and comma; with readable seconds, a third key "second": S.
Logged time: {"hour": 1, "minute": 10}
